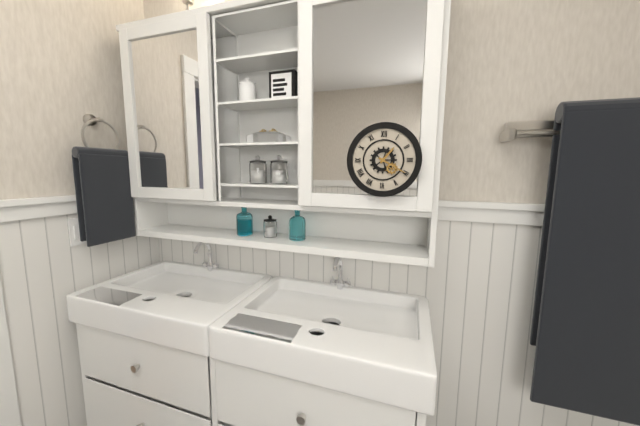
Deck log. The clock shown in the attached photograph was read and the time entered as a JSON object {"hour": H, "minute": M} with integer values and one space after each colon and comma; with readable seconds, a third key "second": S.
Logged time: {"hour": 1, "minute": 20}
